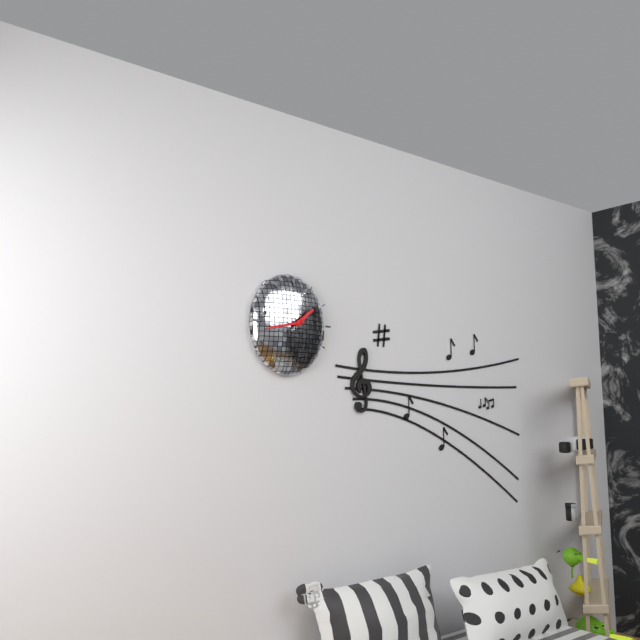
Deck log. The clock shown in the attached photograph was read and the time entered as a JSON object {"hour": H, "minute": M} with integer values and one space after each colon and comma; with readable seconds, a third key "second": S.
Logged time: {"hour": 1, "minute": 43}
